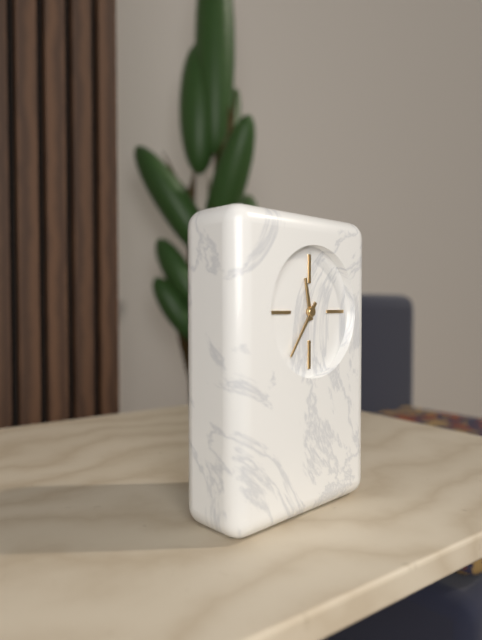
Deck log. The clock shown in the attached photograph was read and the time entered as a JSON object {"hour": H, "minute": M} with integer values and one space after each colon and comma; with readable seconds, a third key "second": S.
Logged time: {"hour": 11, "minute": 36}
